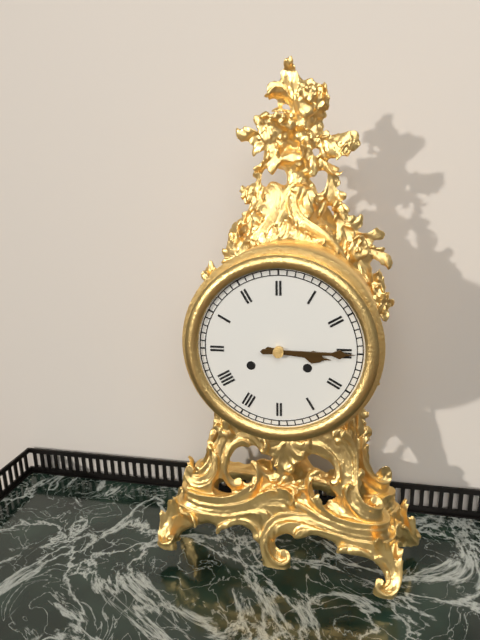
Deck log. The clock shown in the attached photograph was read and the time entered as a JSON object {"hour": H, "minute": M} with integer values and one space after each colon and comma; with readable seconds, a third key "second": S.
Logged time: {"hour": 3, "minute": 15}
